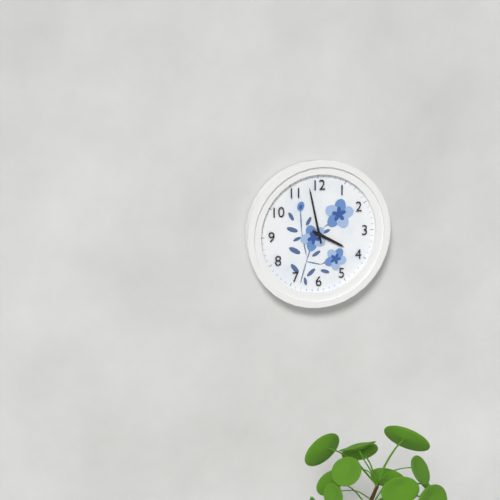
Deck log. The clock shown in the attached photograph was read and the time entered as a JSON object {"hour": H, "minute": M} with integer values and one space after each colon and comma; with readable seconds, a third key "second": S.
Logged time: {"hour": 3, "minute": 58}
